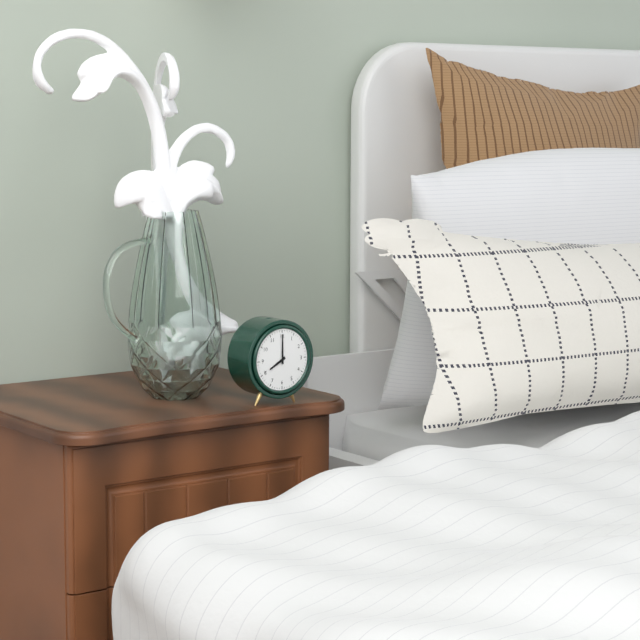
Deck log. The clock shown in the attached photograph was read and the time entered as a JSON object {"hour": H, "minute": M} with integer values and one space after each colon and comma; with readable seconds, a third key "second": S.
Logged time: {"hour": 8, "minute": 0}
